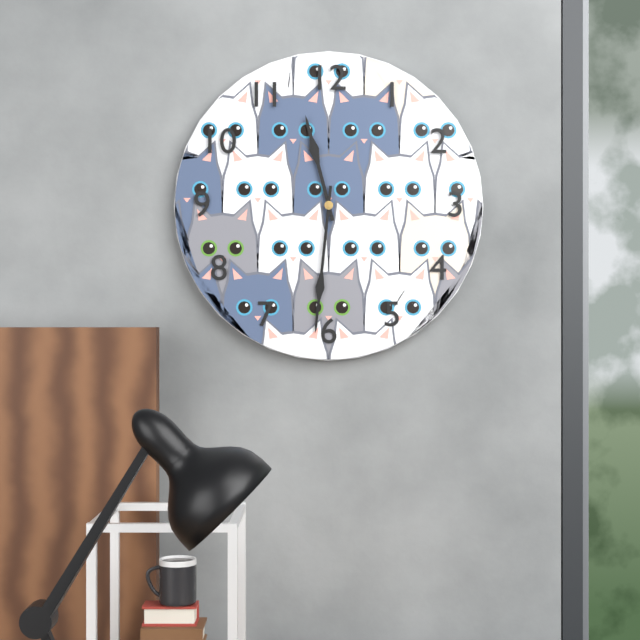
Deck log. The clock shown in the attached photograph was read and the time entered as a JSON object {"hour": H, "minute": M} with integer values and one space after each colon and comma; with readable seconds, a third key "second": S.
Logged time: {"hour": 11, "minute": 31}
